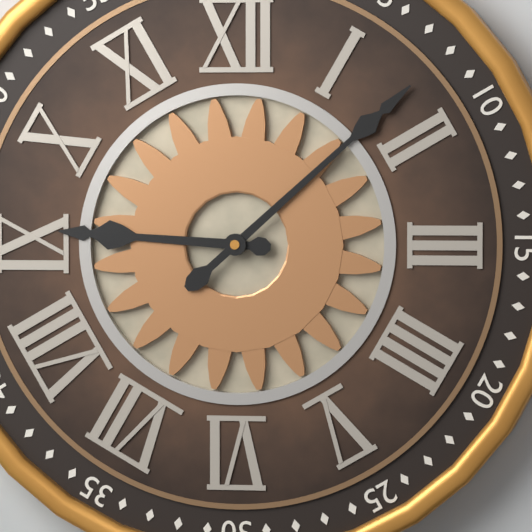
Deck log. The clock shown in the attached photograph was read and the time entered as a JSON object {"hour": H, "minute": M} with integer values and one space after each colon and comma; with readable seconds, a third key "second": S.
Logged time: {"hour": 9, "minute": 8}
